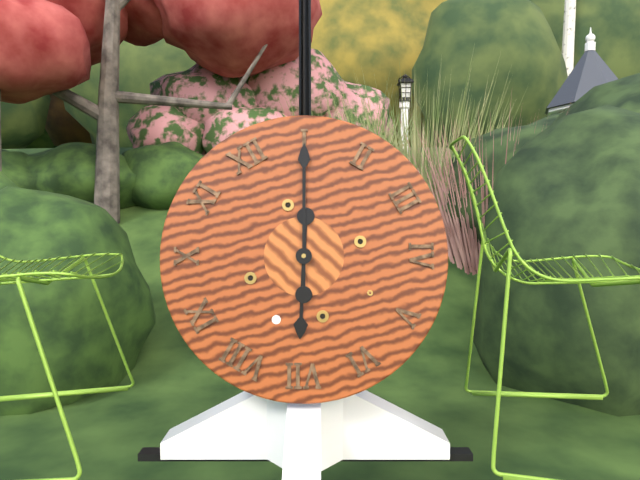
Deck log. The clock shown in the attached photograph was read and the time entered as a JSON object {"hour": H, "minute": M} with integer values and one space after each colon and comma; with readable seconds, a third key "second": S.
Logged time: {"hour": 7, "minute": 5}
